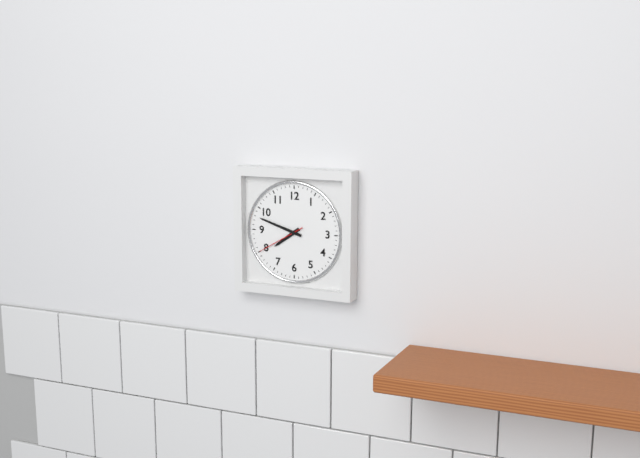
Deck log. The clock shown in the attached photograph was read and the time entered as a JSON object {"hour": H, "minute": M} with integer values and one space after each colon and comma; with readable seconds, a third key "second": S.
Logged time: {"hour": 7, "minute": 48}
